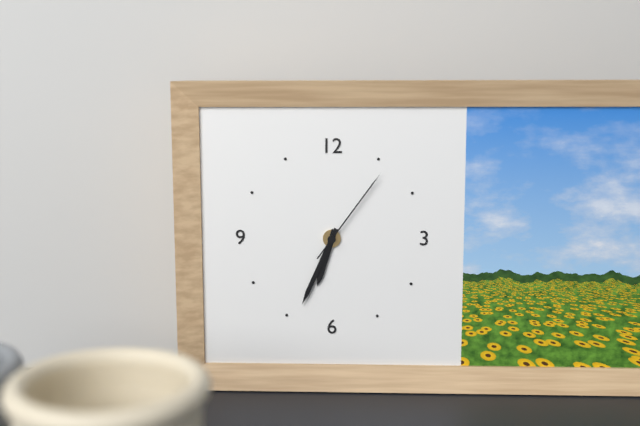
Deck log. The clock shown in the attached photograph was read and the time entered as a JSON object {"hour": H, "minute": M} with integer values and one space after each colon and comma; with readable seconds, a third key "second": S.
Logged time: {"hour": 6, "minute": 34, "second": 6}
